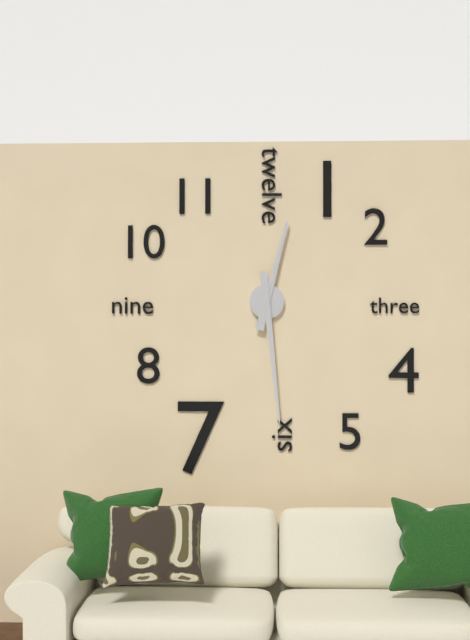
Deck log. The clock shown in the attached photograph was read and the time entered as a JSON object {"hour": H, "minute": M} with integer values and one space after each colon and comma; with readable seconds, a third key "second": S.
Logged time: {"hour": 12, "minute": 29}
